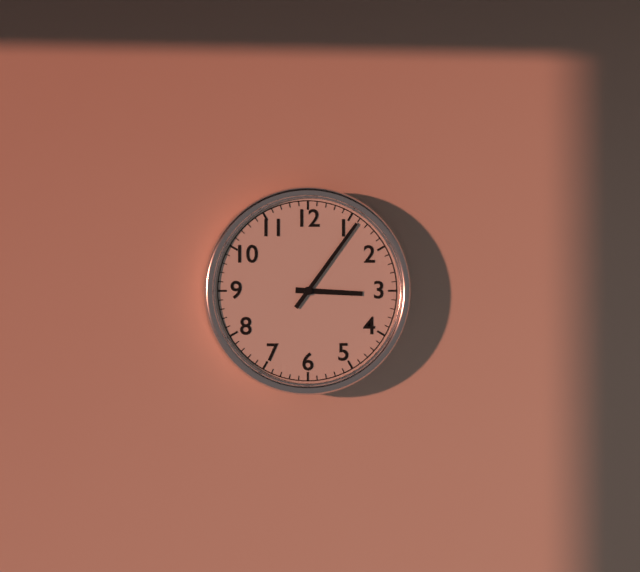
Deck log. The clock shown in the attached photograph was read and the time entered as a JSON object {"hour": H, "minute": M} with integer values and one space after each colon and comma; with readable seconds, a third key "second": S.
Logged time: {"hour": 3, "minute": 6}
